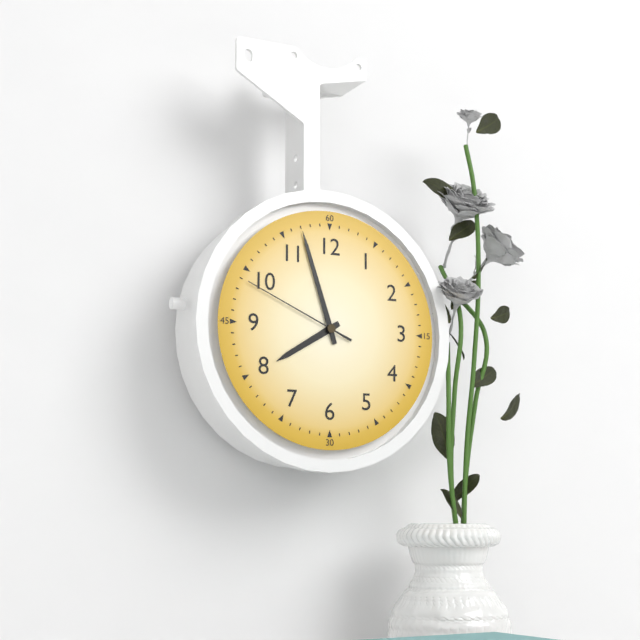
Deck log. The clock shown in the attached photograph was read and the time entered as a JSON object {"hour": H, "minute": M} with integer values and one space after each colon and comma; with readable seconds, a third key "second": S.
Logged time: {"hour": 7, "minute": 57, "second": 49}
